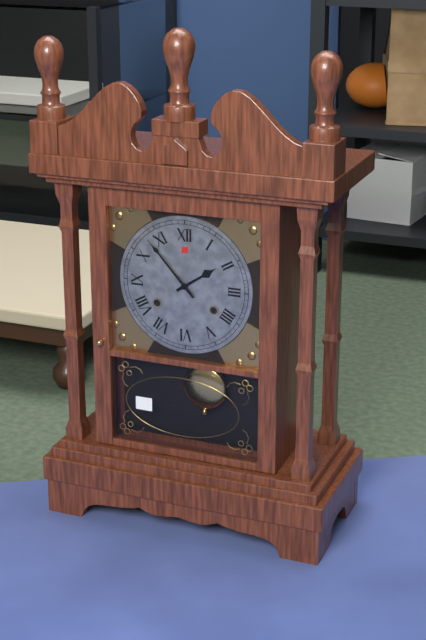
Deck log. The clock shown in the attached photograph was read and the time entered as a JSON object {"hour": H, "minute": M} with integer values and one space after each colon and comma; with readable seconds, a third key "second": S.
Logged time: {"hour": 1, "minute": 53}
